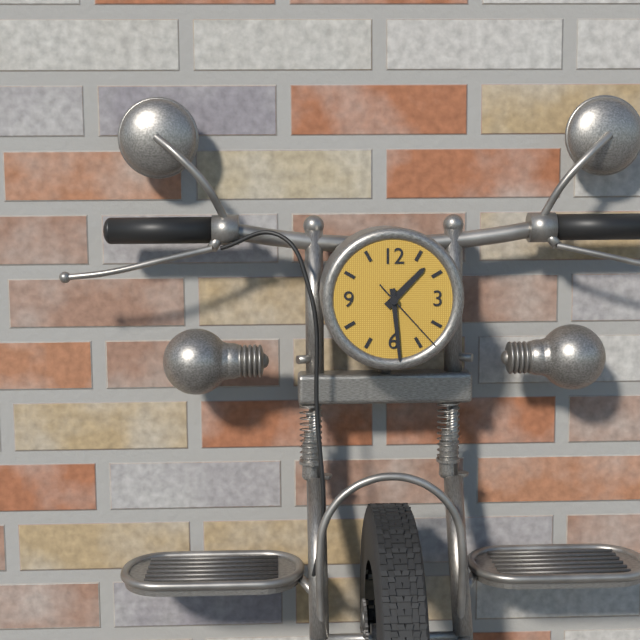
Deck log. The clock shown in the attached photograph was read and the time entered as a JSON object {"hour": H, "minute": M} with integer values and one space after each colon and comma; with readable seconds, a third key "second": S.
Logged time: {"hour": 1, "minute": 29, "second": 23}
